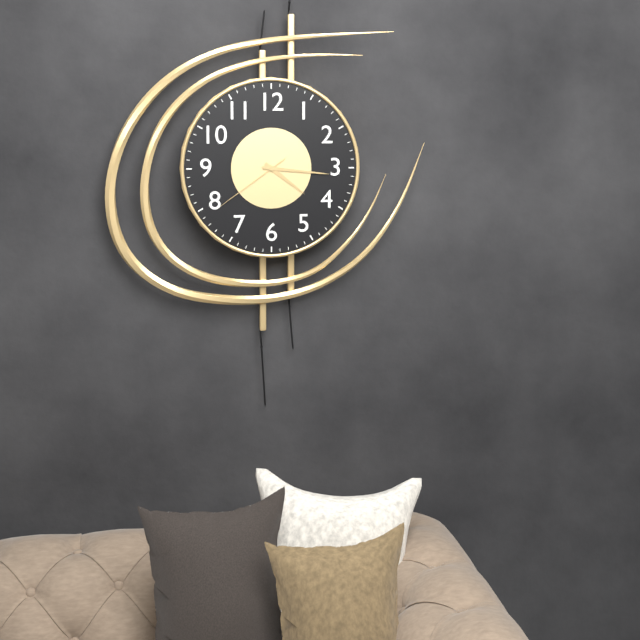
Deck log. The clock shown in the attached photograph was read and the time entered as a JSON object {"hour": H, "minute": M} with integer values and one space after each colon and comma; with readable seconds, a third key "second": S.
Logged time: {"hour": 4, "minute": 16, "second": 39}
